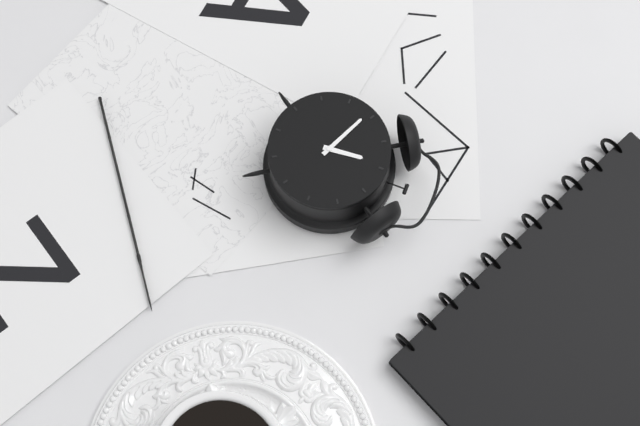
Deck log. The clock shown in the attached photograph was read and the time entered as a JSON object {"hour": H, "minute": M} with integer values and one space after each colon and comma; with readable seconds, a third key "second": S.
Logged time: {"hour": 11, "minute": 49}
